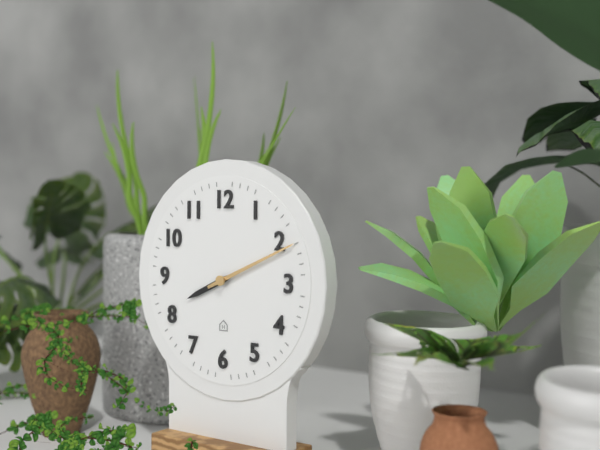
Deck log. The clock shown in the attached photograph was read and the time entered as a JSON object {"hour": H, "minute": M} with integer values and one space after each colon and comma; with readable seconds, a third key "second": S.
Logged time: {"hour": 8, "minute": 11}
